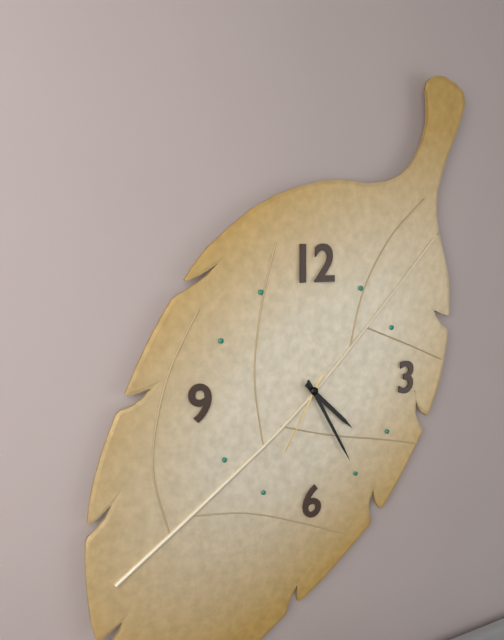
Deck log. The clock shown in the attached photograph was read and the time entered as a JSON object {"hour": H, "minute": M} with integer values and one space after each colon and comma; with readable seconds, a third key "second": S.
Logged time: {"hour": 4, "minute": 25, "second": 35}
